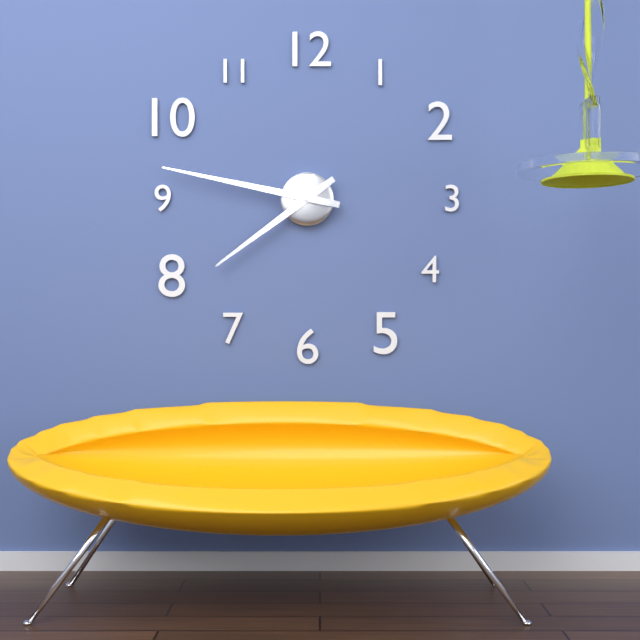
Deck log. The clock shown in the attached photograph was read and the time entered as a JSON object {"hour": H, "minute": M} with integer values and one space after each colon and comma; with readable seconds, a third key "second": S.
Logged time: {"hour": 7, "minute": 47}
